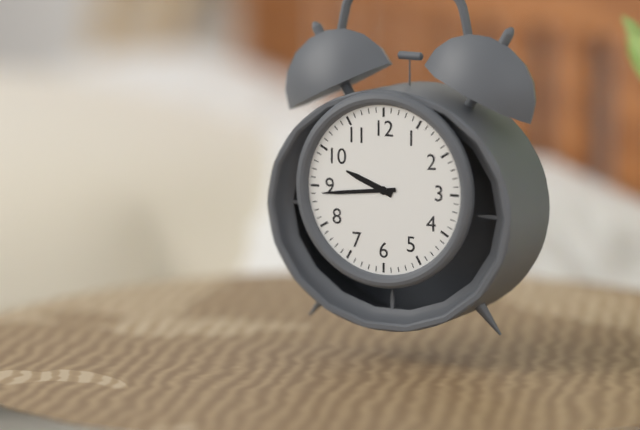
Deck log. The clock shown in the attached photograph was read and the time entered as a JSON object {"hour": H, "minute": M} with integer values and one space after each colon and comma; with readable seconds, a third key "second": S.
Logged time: {"hour": 9, "minute": 44}
